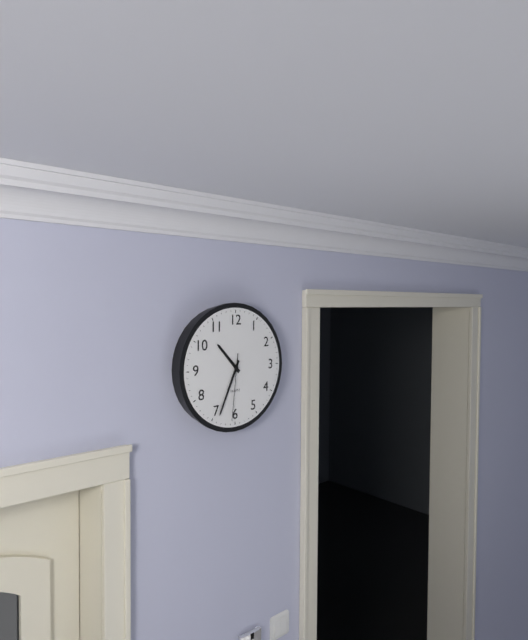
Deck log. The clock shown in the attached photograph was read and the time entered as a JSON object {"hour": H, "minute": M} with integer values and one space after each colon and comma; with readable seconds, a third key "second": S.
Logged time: {"hour": 10, "minute": 34, "second": 31}
